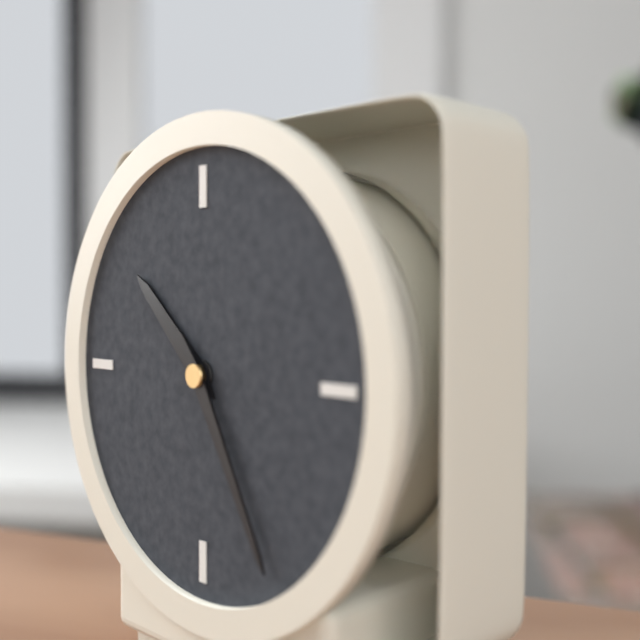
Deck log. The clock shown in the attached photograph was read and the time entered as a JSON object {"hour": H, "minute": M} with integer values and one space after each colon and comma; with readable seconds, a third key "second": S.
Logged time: {"hour": 10, "minute": 25}
